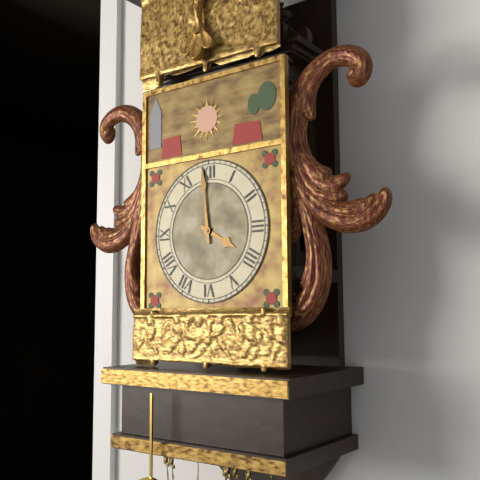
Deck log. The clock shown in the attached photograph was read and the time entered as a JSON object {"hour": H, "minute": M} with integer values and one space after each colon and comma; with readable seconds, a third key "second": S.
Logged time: {"hour": 3, "minute": 59}
